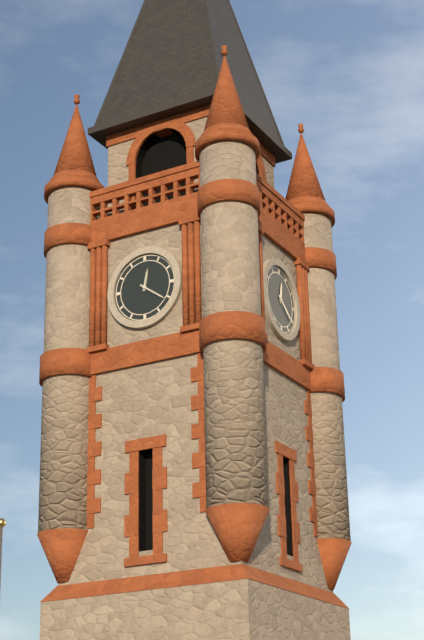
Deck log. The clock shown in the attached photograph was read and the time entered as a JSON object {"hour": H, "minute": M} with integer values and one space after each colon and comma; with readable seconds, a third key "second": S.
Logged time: {"hour": 12, "minute": 21}
